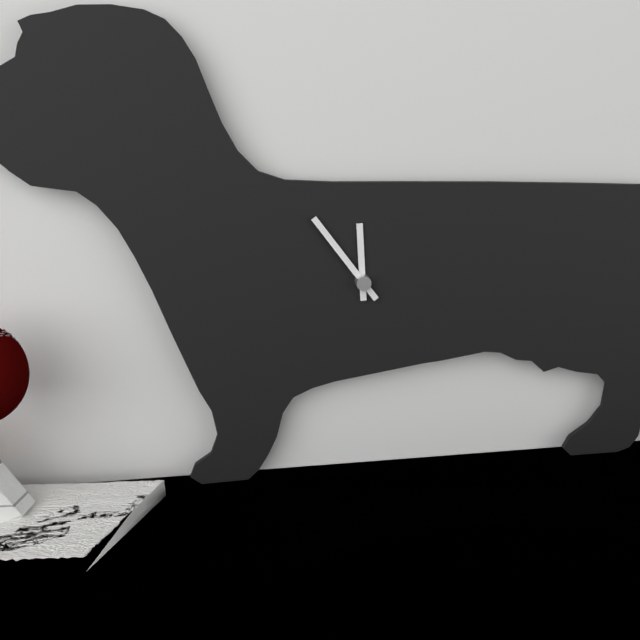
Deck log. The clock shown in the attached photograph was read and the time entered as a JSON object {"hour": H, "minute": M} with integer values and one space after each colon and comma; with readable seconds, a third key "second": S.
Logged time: {"hour": 11, "minute": 54}
